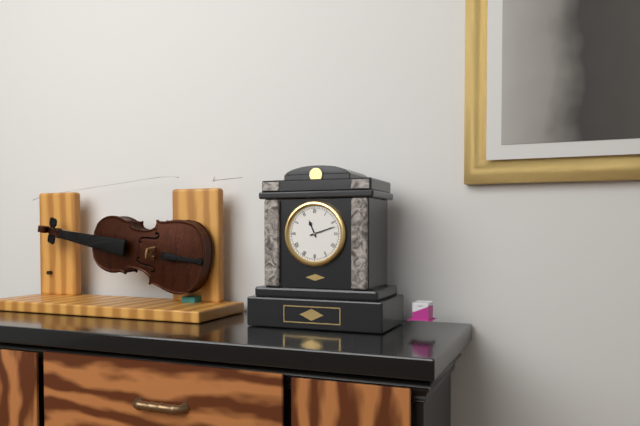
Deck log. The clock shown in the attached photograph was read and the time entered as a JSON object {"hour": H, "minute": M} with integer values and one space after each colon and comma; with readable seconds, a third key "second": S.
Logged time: {"hour": 11, "minute": 12}
